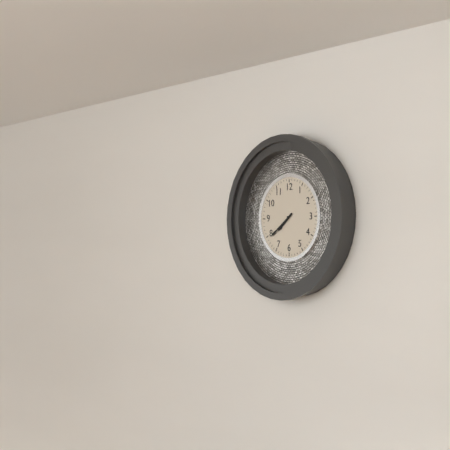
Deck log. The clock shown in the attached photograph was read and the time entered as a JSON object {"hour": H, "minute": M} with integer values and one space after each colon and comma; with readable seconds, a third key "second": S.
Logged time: {"hour": 7, "minute": 39}
